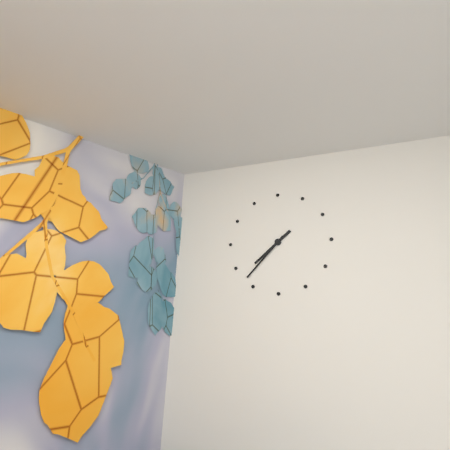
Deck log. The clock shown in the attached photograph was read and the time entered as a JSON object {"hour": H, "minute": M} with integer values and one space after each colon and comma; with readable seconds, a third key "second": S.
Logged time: {"hour": 7, "minute": 37}
